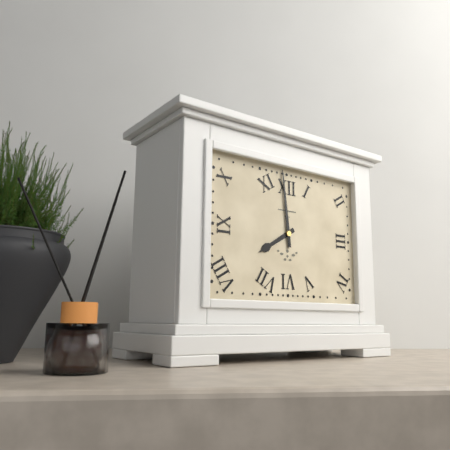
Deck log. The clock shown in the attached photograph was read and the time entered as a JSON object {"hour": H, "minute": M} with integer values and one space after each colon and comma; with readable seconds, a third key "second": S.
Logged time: {"hour": 7, "minute": 59}
